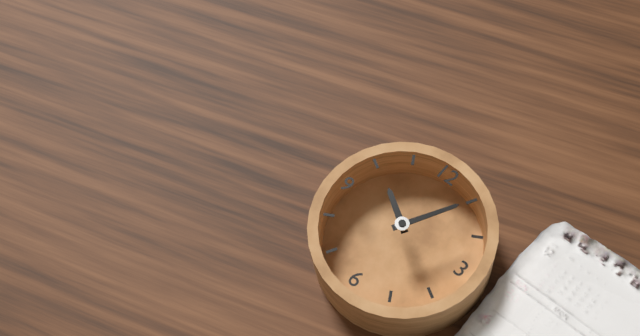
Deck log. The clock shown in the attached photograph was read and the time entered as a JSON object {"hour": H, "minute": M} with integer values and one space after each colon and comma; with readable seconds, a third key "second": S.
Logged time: {"hour": 10, "minute": 5}
